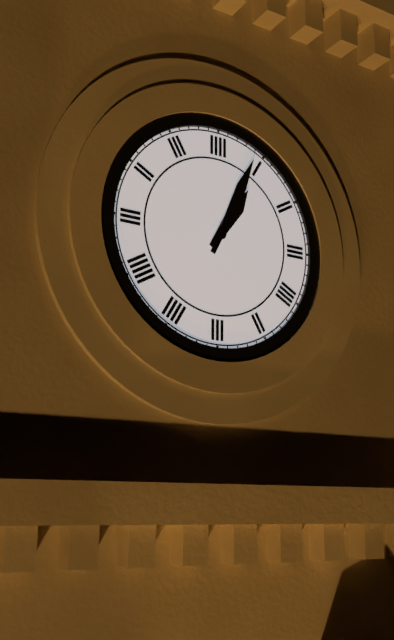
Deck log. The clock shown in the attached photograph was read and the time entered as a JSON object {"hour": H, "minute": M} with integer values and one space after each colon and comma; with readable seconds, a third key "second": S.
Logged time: {"hour": 1, "minute": 4}
